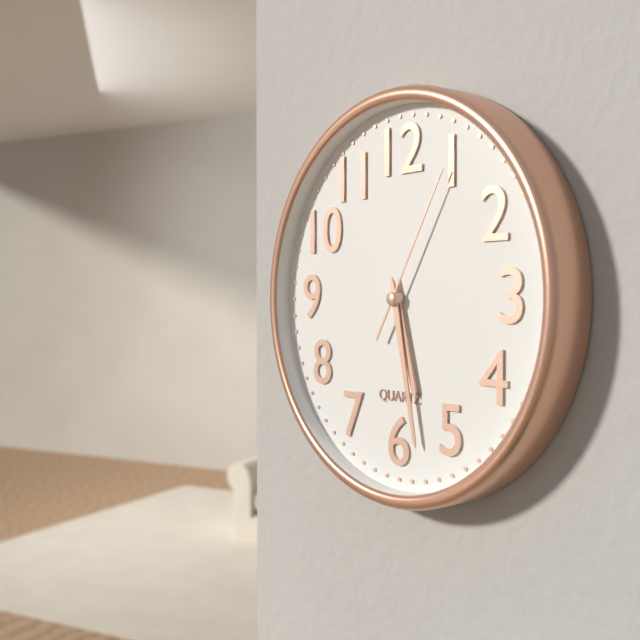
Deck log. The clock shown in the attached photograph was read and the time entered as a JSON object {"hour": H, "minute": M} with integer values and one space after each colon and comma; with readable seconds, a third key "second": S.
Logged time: {"hour": 5, "minute": 28, "second": 5}
